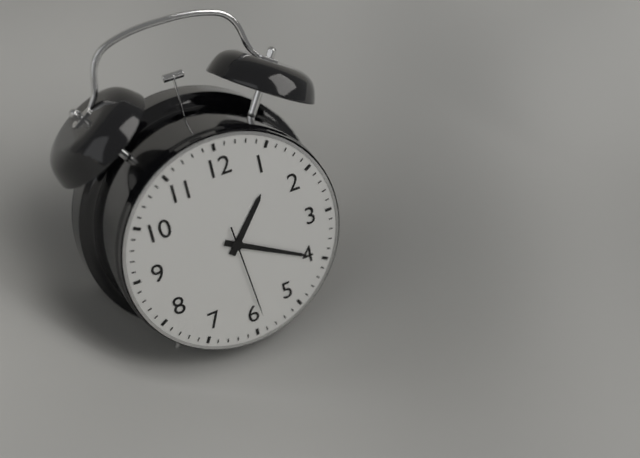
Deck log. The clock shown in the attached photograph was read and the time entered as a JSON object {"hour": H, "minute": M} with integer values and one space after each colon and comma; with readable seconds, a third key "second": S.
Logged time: {"hour": 1, "minute": 20, "second": 29}
